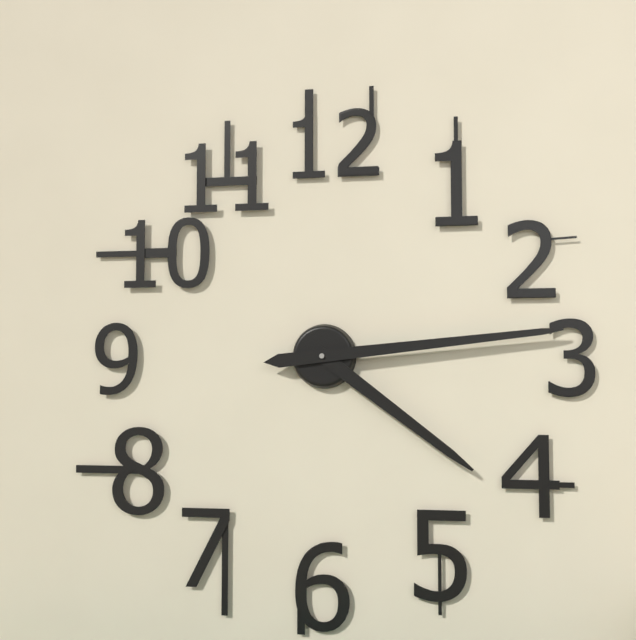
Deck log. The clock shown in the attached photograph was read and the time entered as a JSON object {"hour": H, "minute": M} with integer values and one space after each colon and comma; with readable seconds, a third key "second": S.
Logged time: {"hour": 4, "minute": 14}
